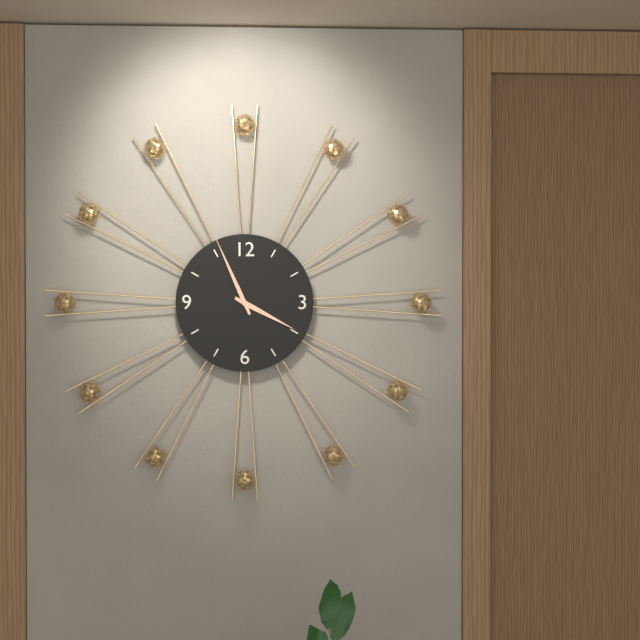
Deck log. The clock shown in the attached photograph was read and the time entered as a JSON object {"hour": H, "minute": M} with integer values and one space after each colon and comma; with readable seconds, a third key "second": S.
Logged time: {"hour": 3, "minute": 56}
